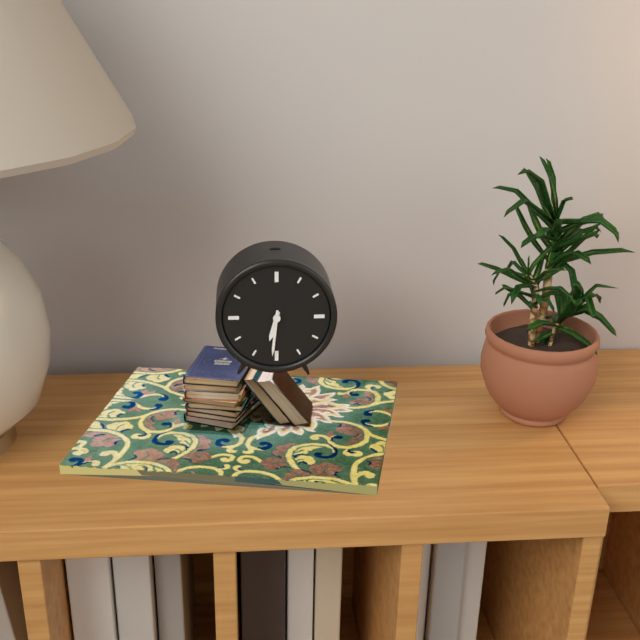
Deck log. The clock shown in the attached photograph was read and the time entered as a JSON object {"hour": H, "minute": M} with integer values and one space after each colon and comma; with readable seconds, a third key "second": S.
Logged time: {"hour": 6, "minute": 31}
